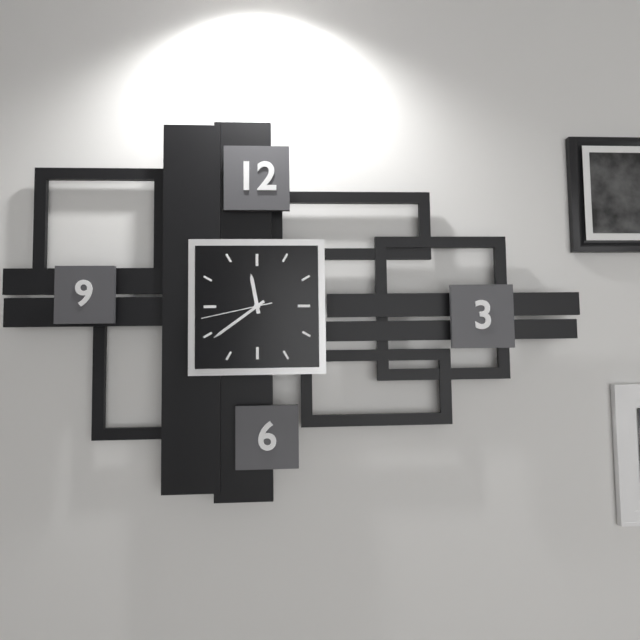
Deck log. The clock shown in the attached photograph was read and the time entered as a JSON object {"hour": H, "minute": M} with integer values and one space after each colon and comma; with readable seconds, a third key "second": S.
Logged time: {"hour": 11, "minute": 39, "second": 43}
